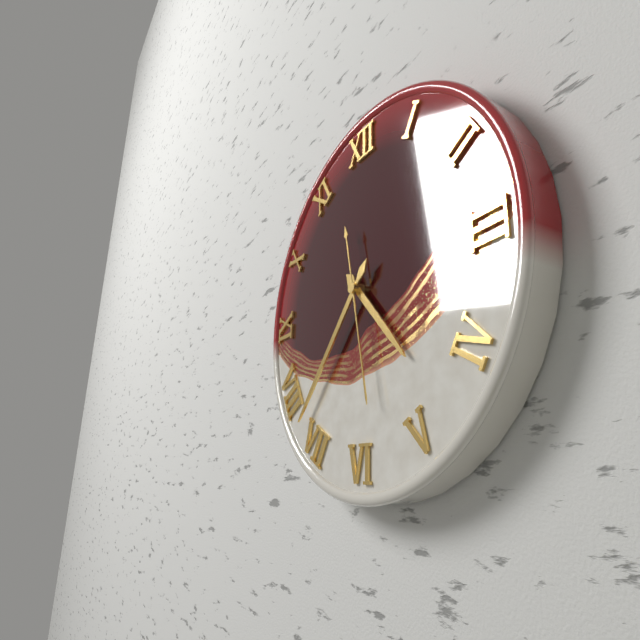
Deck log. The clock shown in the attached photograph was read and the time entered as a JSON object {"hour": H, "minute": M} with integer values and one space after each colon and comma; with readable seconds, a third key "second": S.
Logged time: {"hour": 4, "minute": 37, "second": 28}
